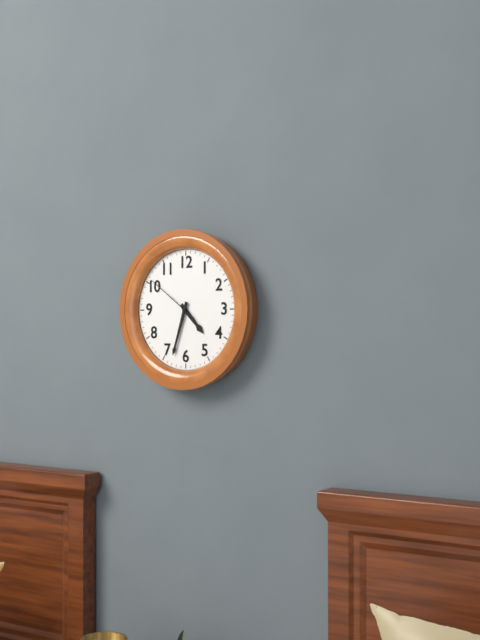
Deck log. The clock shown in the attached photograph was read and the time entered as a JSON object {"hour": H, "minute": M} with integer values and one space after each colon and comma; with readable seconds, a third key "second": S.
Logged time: {"hour": 4, "minute": 33, "second": 51}
